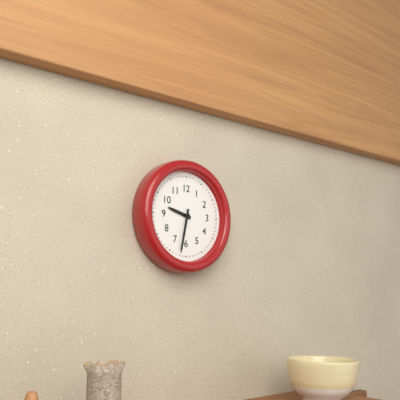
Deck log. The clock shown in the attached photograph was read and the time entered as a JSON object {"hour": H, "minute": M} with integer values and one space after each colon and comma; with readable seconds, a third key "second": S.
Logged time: {"hour": 9, "minute": 32}
